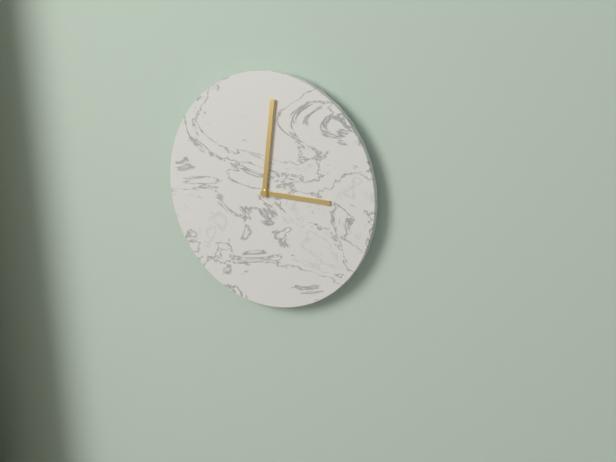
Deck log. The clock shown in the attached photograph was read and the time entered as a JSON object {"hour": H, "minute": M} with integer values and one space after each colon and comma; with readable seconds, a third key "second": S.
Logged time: {"hour": 3, "minute": 1}
